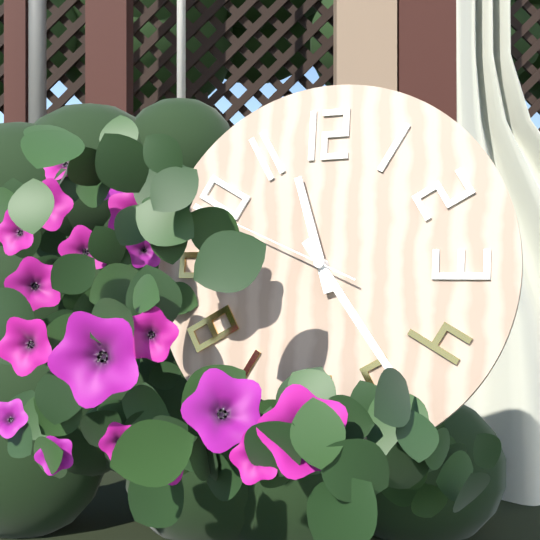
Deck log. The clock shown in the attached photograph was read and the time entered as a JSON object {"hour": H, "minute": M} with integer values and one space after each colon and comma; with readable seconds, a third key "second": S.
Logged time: {"hour": 11, "minute": 24, "second": 49}
